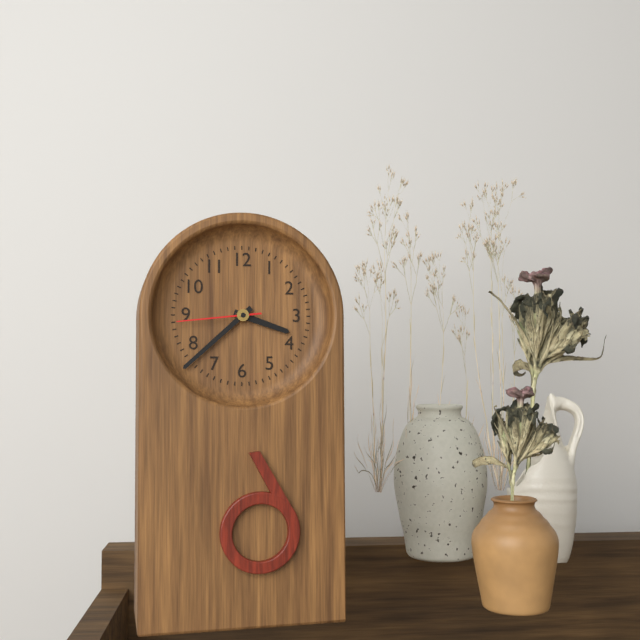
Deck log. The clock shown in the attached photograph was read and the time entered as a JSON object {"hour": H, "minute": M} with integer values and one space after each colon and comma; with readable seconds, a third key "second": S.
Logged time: {"hour": 3, "minute": 38, "second": 44}
